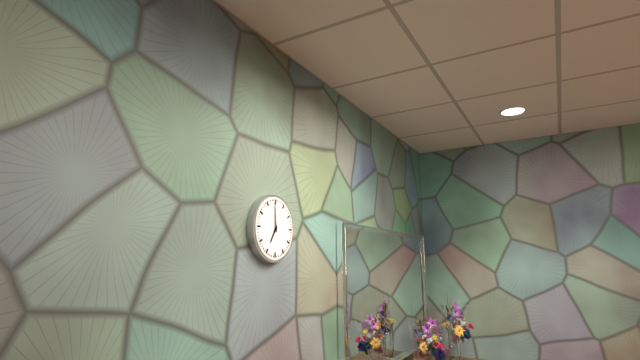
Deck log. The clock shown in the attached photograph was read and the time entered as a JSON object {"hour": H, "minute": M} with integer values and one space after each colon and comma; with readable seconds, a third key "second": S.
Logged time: {"hour": 6, "minute": 59}
